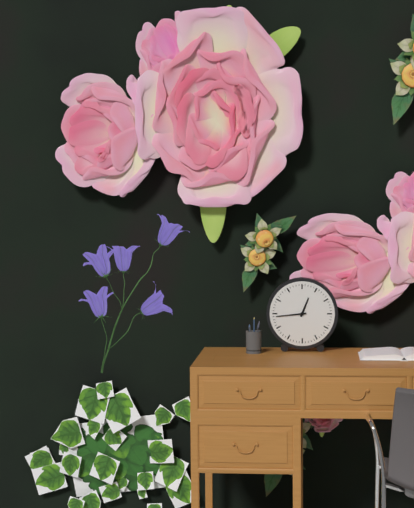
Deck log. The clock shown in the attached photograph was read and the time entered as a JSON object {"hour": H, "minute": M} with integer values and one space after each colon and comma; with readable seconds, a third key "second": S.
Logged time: {"hour": 12, "minute": 44}
